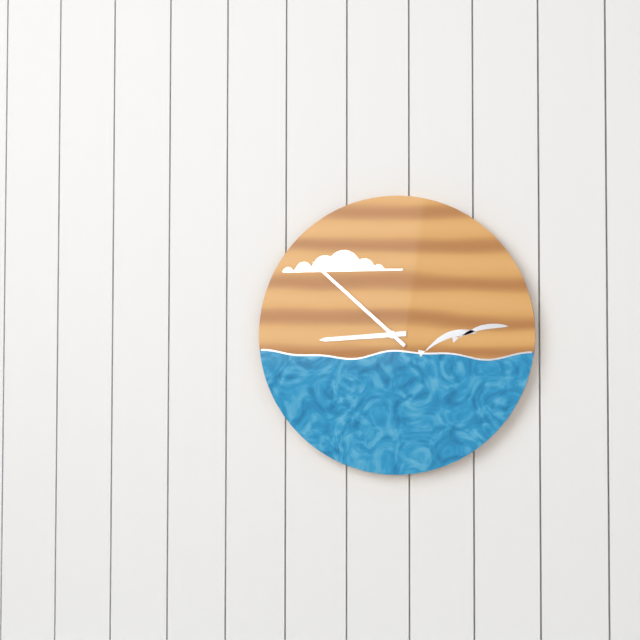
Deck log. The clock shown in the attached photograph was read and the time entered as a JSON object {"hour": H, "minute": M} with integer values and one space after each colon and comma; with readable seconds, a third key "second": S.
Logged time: {"hour": 8, "minute": 52}
